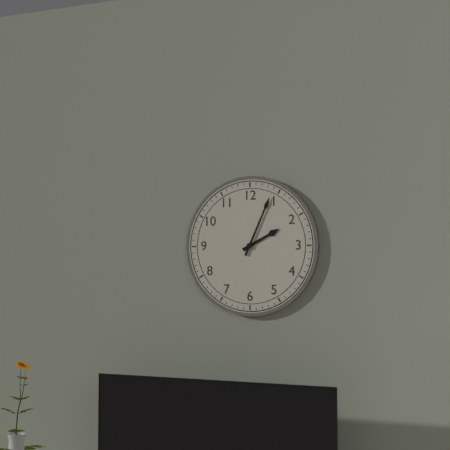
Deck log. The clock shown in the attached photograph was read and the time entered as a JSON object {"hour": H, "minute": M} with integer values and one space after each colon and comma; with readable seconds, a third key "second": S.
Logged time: {"hour": 2, "minute": 4}
